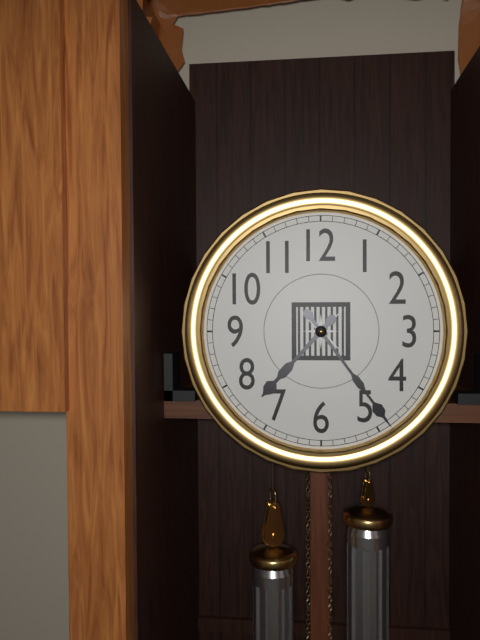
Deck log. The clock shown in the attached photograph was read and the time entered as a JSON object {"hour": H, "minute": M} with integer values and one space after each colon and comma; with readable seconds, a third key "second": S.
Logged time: {"hour": 7, "minute": 24}
